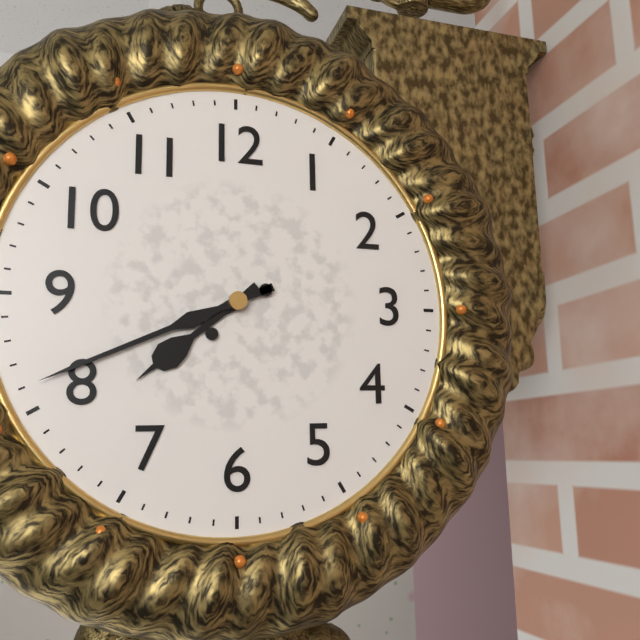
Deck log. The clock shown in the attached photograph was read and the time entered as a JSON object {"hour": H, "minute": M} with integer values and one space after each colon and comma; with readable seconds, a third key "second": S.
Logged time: {"hour": 7, "minute": 41}
